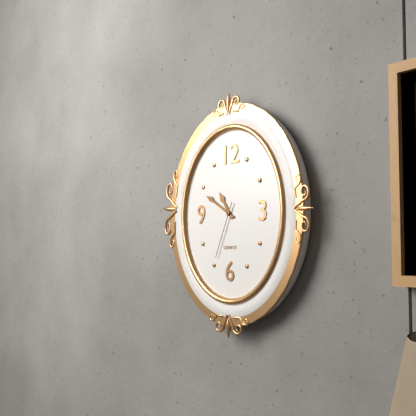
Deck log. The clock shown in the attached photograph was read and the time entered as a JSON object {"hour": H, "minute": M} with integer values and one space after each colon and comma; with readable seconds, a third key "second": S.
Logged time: {"hour": 10, "minute": 50, "second": 34}
